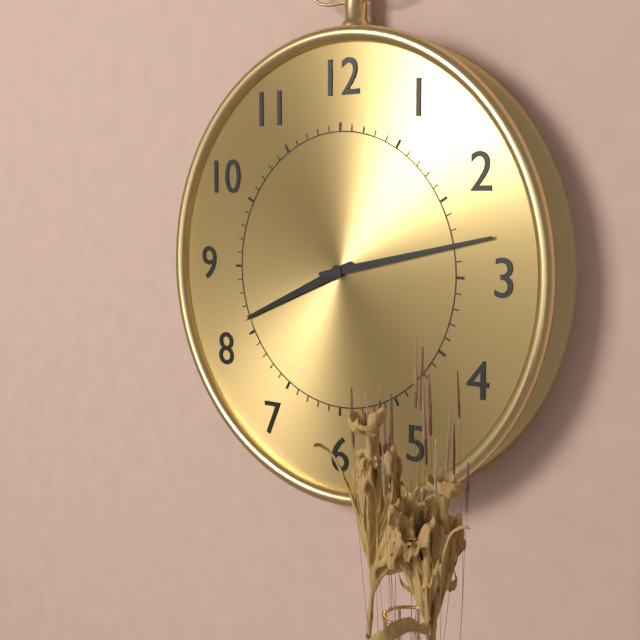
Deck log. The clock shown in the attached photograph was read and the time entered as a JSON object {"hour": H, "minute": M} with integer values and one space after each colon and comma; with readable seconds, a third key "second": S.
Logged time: {"hour": 8, "minute": 13}
